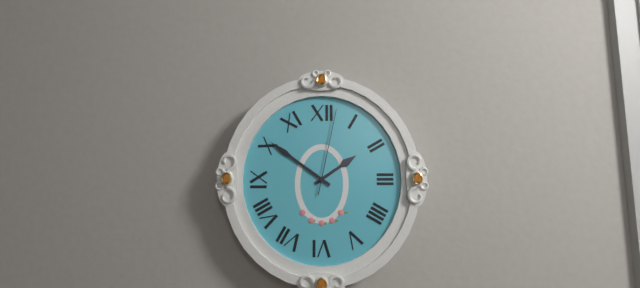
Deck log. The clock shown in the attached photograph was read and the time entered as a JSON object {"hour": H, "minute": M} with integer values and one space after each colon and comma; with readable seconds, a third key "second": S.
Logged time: {"hour": 1, "minute": 51, "second": 2}
